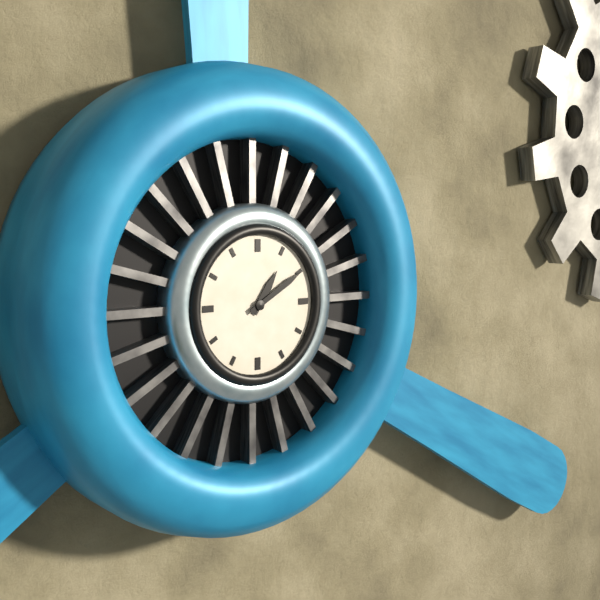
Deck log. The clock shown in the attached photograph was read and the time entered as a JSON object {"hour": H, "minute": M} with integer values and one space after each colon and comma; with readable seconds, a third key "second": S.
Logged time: {"hour": 1, "minute": 10}
